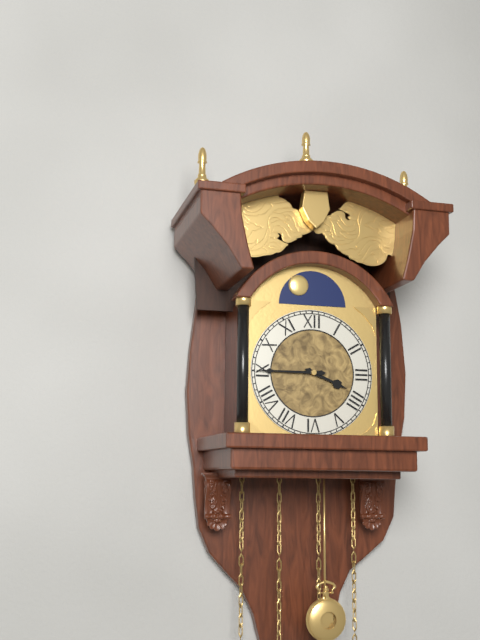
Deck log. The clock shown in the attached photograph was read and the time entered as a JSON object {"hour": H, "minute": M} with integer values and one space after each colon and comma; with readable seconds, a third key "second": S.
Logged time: {"hour": 3, "minute": 45}
